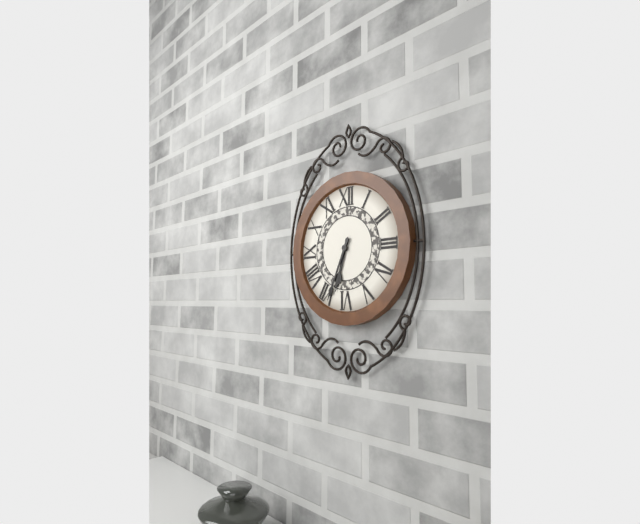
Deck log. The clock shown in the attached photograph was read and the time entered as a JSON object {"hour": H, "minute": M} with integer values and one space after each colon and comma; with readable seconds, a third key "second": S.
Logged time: {"hour": 6, "minute": 34}
